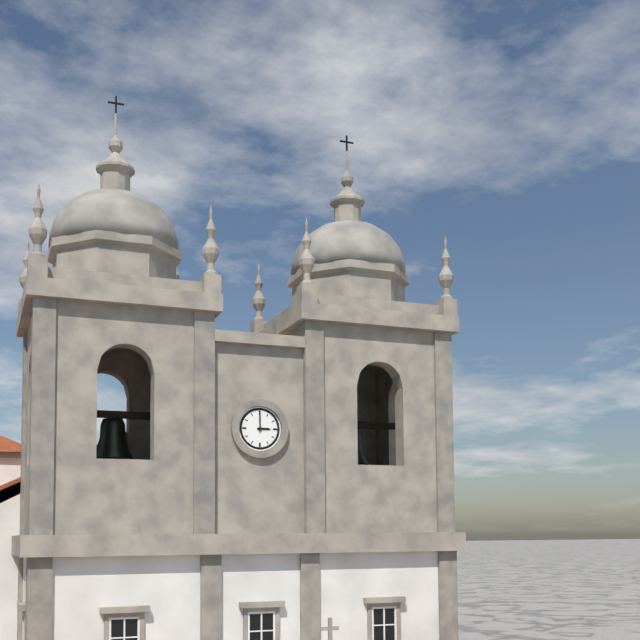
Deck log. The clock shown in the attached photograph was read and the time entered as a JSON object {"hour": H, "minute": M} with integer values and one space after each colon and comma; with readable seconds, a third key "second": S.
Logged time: {"hour": 3, "minute": 0}
